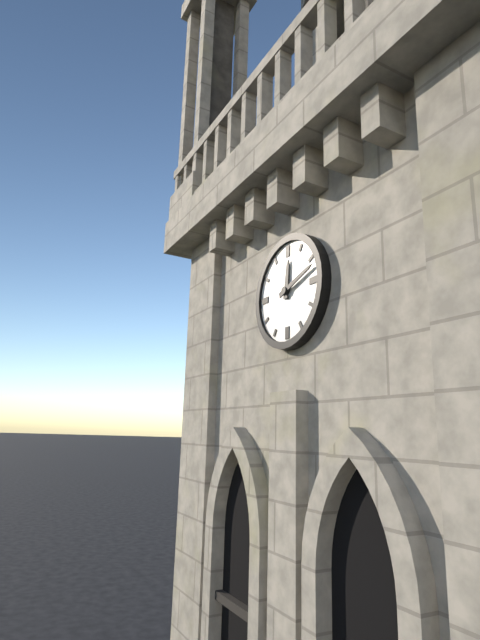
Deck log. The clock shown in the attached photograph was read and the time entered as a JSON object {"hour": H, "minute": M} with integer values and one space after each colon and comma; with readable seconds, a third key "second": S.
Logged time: {"hour": 12, "minute": 12}
